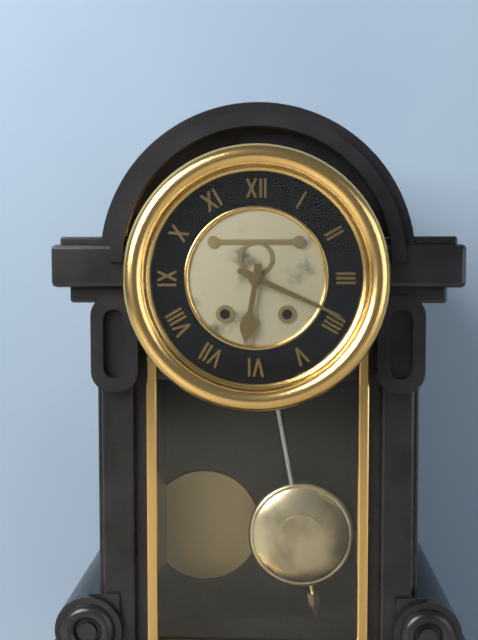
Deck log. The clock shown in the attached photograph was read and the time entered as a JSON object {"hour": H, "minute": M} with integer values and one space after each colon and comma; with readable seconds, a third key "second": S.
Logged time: {"hour": 6, "minute": 19}
